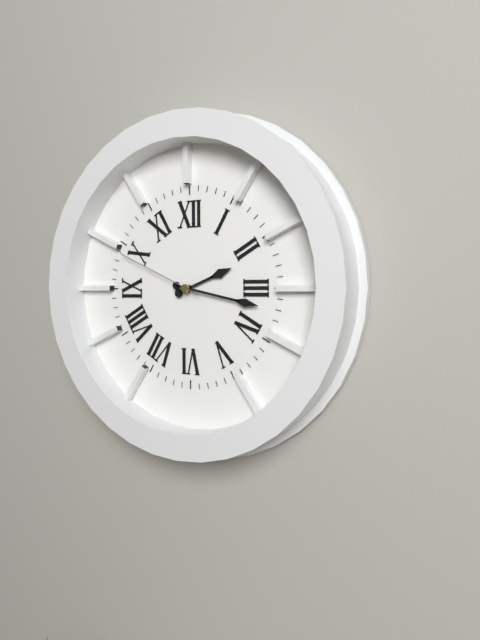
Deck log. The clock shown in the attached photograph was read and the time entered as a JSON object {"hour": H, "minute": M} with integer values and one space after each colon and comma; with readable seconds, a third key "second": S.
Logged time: {"hour": 2, "minute": 17, "second": 49}
